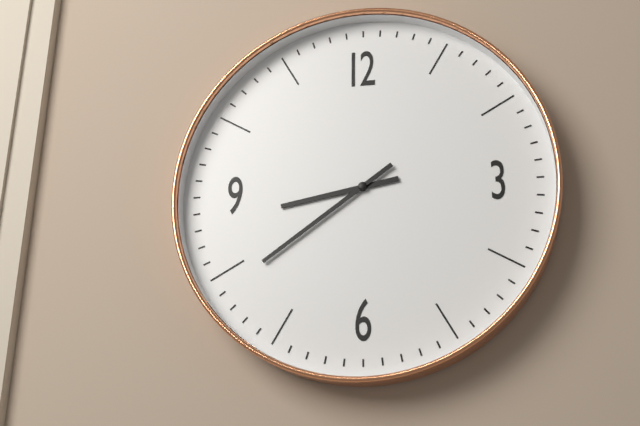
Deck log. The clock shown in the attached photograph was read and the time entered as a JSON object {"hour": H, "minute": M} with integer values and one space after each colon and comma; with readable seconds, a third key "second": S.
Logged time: {"hour": 8, "minute": 39}
